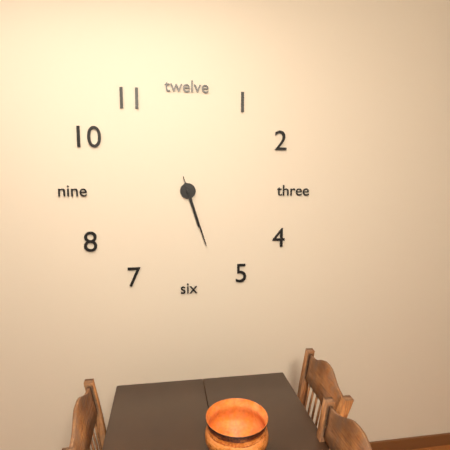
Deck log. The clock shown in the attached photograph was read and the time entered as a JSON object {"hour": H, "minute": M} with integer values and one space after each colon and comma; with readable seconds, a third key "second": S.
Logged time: {"hour": 5, "minute": 27, "second": 27}
